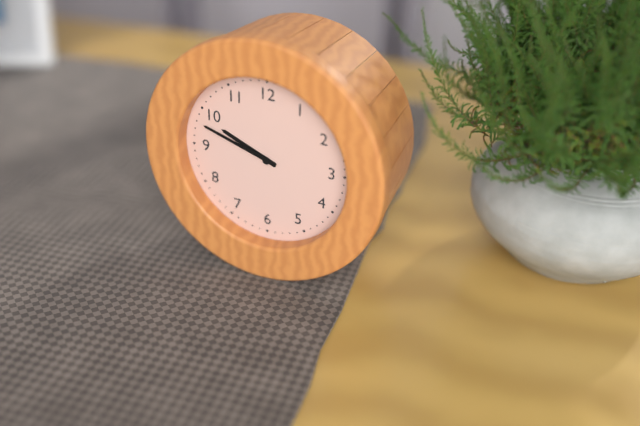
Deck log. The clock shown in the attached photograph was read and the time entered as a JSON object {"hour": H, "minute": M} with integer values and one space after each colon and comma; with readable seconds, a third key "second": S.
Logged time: {"hour": 9, "minute": 48}
